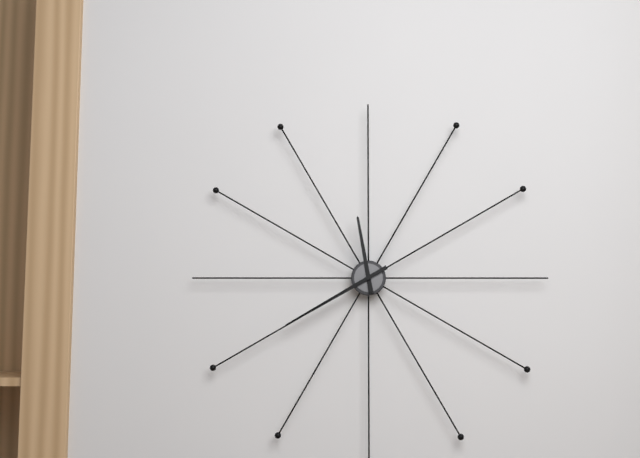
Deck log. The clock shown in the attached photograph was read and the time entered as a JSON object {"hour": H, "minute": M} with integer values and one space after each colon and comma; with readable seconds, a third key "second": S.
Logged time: {"hour": 11, "minute": 40}
